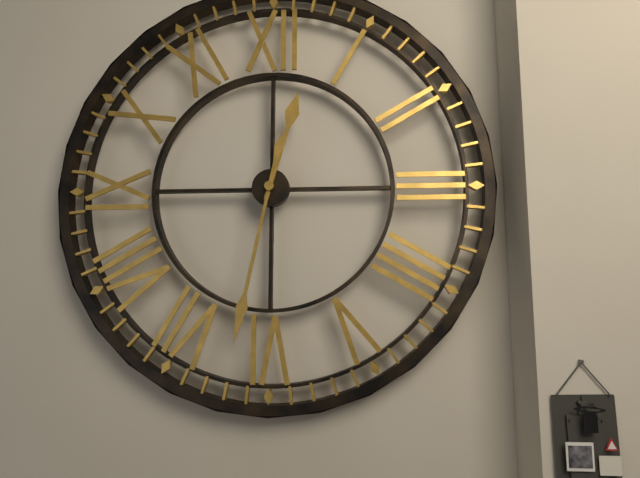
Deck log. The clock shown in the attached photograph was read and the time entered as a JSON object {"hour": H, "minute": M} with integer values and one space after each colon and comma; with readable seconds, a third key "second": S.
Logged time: {"hour": 12, "minute": 32}
